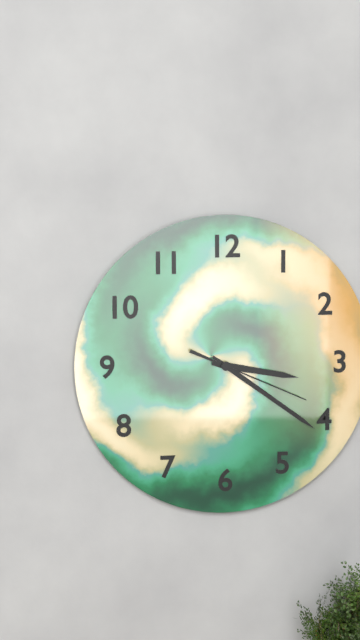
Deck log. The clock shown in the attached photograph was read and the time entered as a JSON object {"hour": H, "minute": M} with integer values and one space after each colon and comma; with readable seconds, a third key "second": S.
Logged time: {"hour": 3, "minute": 21, "second": 19}
